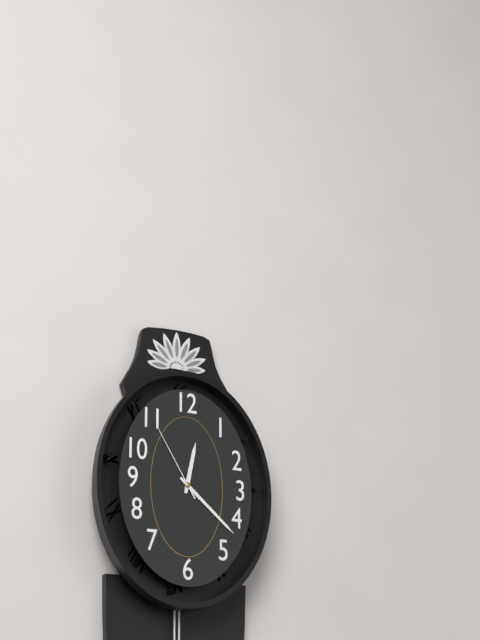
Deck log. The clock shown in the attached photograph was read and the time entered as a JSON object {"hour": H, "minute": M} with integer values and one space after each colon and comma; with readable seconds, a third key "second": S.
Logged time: {"hour": 12, "minute": 22, "second": 55}
